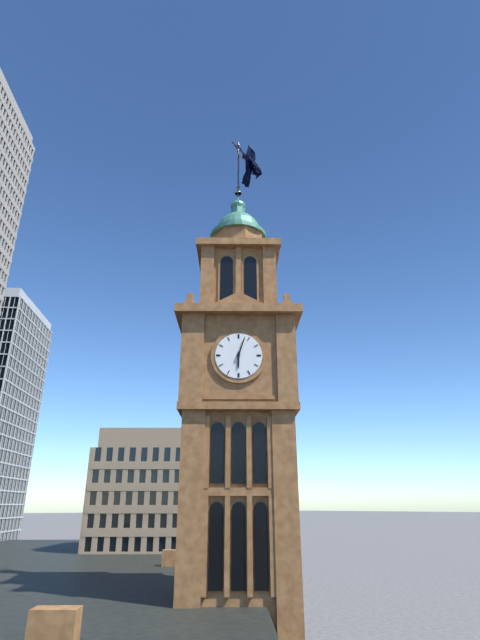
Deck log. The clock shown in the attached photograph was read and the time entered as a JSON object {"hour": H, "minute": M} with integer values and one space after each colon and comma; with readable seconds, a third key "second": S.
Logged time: {"hour": 6, "minute": 3}
